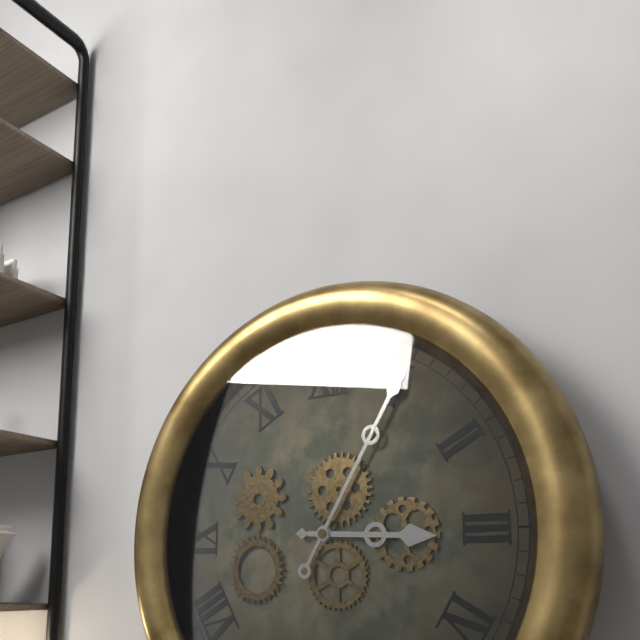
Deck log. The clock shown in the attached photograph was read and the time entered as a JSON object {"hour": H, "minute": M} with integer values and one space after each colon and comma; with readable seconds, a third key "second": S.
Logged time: {"hour": 3, "minute": 5}
